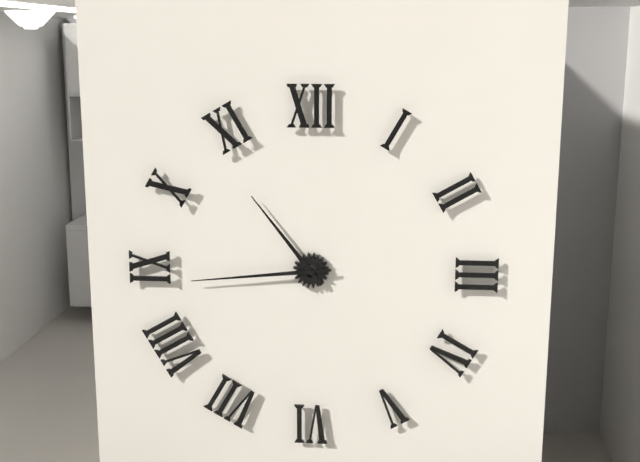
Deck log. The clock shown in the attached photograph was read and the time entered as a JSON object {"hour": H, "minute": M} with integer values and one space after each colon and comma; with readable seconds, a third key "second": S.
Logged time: {"hour": 10, "minute": 44}
